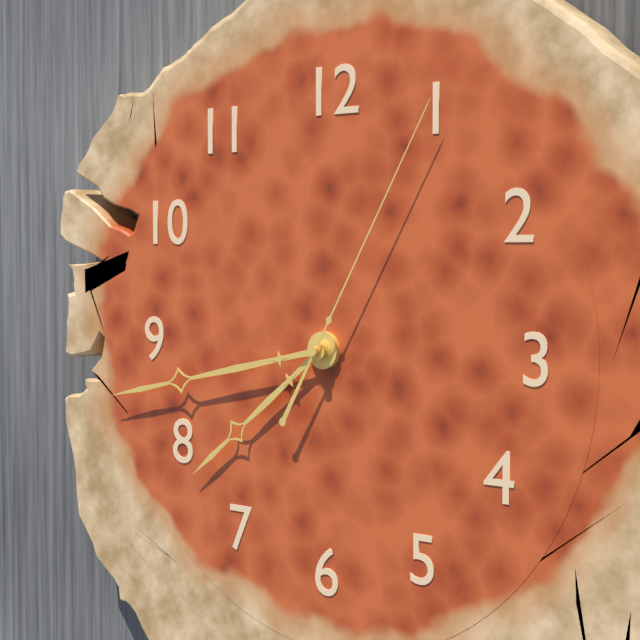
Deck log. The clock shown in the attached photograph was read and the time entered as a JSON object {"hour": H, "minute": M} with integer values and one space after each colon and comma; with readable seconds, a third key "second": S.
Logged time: {"hour": 7, "minute": 43, "second": 5}
